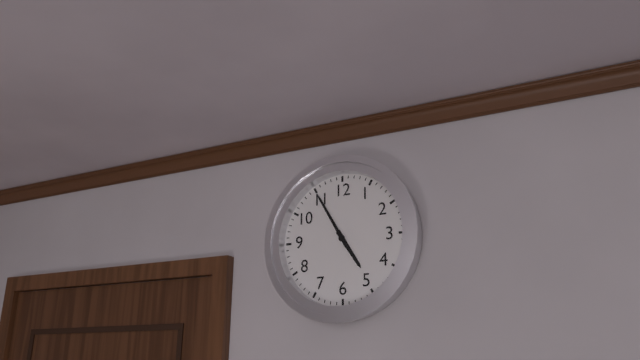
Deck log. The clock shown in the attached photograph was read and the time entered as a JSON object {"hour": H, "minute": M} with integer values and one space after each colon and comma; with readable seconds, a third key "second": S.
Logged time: {"hour": 4, "minute": 55}
